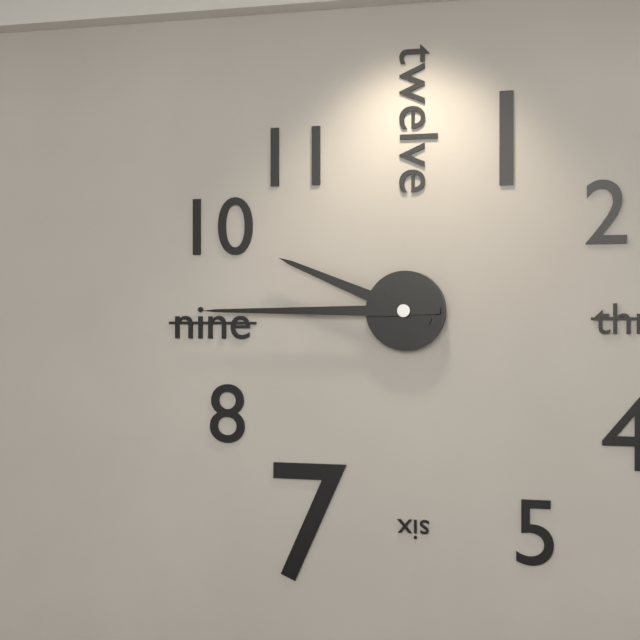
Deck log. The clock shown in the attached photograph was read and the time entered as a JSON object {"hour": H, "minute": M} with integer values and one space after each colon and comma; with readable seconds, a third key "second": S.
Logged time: {"hour": 9, "minute": 45}
